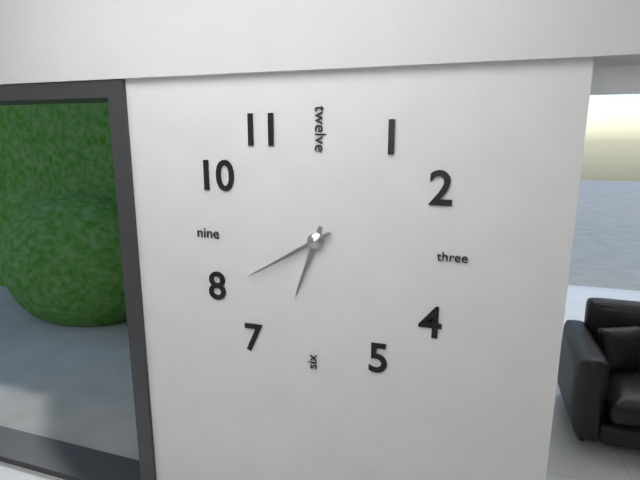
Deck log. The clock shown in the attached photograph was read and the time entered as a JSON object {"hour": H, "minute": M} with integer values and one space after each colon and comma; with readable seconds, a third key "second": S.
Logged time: {"hour": 6, "minute": 40}
